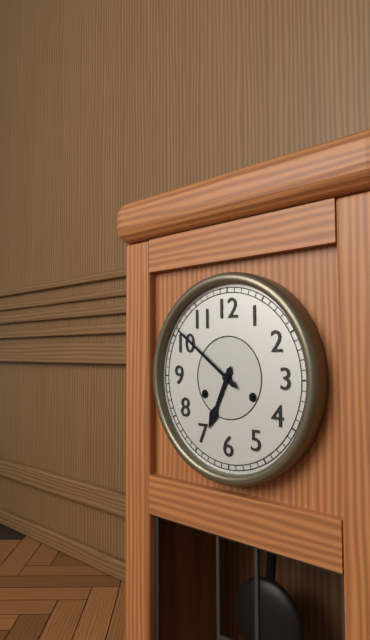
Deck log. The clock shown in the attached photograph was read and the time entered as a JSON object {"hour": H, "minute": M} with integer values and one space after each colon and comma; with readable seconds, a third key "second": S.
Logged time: {"hour": 6, "minute": 51}
